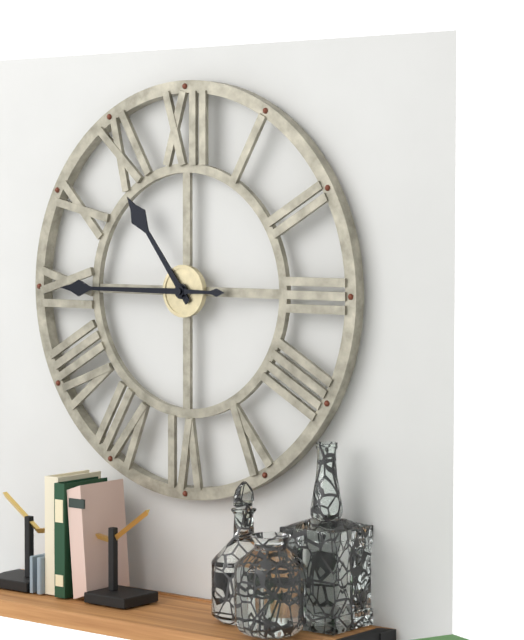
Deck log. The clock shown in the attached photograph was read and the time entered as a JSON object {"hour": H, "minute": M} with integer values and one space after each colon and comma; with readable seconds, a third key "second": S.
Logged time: {"hour": 10, "minute": 45}
